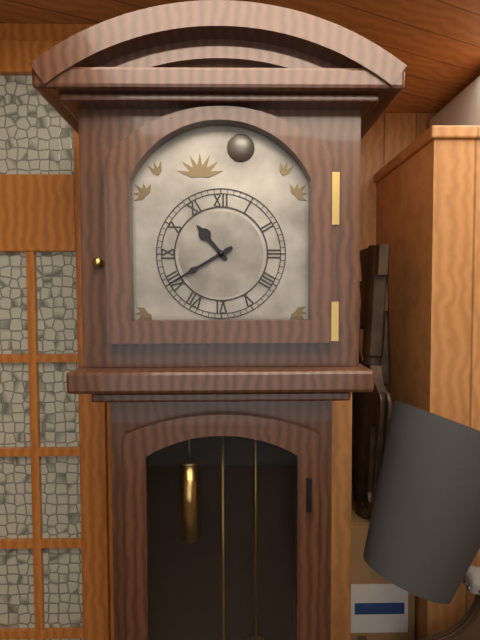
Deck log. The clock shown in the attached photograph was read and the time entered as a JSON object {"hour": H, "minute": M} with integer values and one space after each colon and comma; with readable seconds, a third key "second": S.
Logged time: {"hour": 10, "minute": 40}
